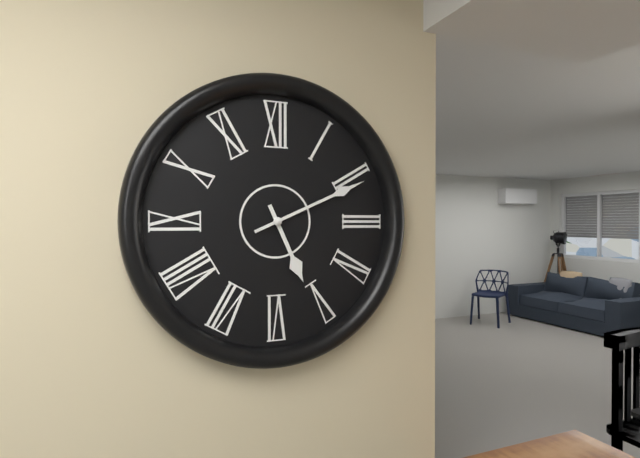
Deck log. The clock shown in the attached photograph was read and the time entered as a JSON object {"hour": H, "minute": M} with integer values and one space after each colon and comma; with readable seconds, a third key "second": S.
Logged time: {"hour": 5, "minute": 11}
